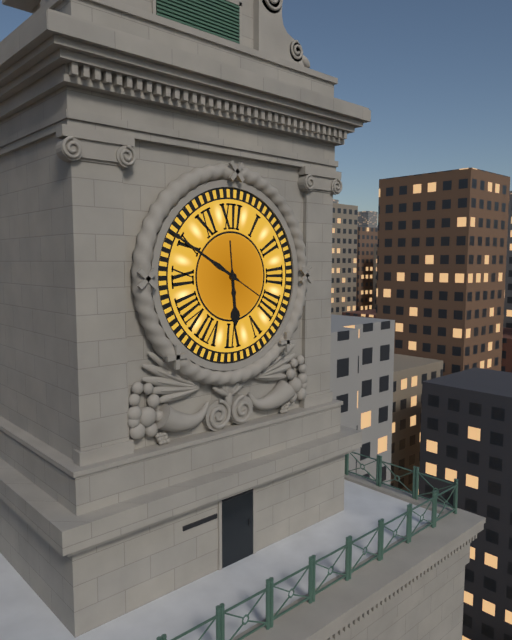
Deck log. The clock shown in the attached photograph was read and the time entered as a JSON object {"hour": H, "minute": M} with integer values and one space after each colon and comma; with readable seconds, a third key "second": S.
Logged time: {"hour": 5, "minute": 50}
